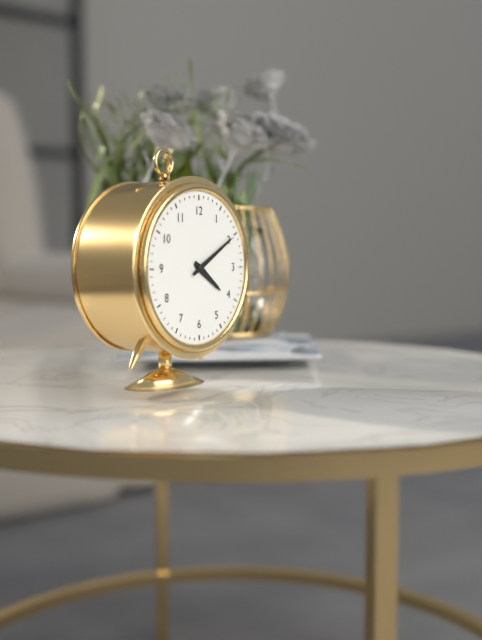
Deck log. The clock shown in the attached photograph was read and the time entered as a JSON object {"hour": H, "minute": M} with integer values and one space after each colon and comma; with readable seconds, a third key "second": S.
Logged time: {"hour": 4, "minute": 10}
